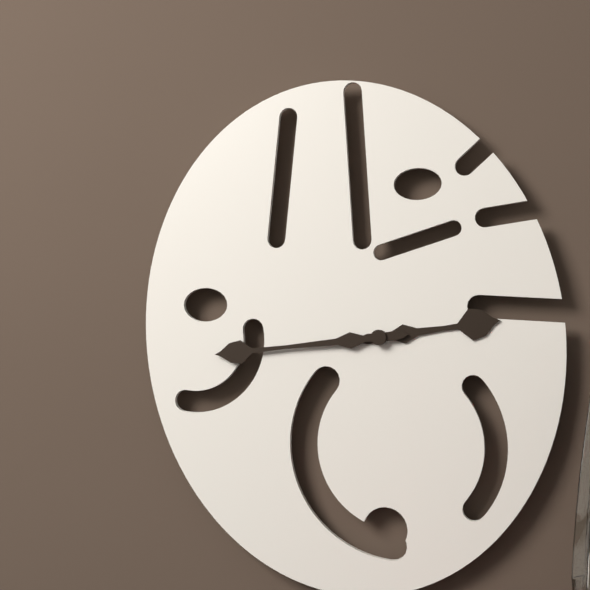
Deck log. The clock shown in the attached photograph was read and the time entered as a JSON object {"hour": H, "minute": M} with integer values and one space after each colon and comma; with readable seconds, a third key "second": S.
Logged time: {"hour": 2, "minute": 44}
